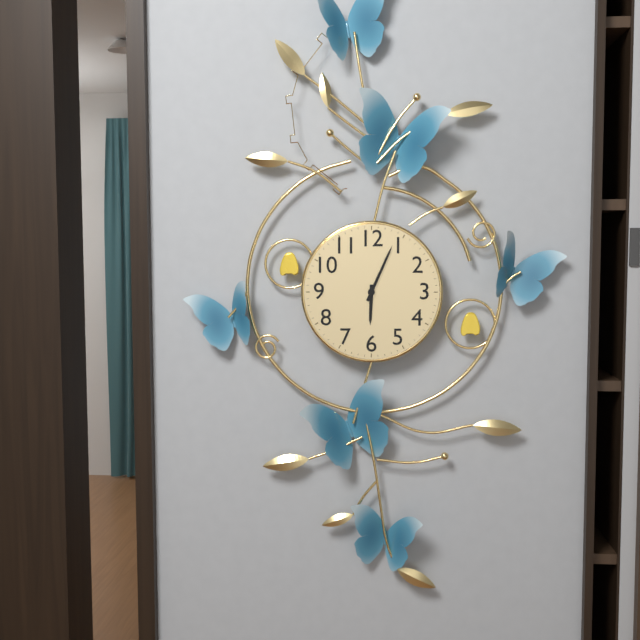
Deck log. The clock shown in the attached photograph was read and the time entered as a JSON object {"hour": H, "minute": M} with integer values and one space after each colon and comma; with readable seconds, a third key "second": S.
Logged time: {"hour": 6, "minute": 4}
